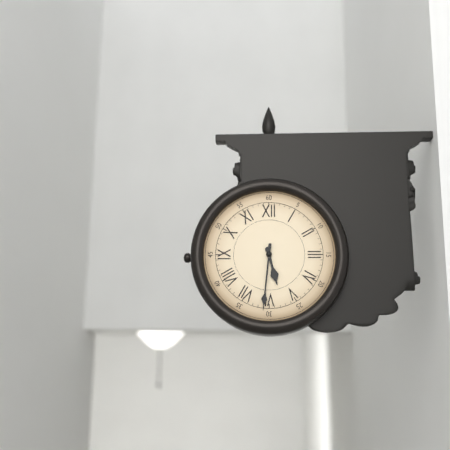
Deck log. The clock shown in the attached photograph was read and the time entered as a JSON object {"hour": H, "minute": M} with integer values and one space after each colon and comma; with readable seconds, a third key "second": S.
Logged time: {"hour": 5, "minute": 31}
